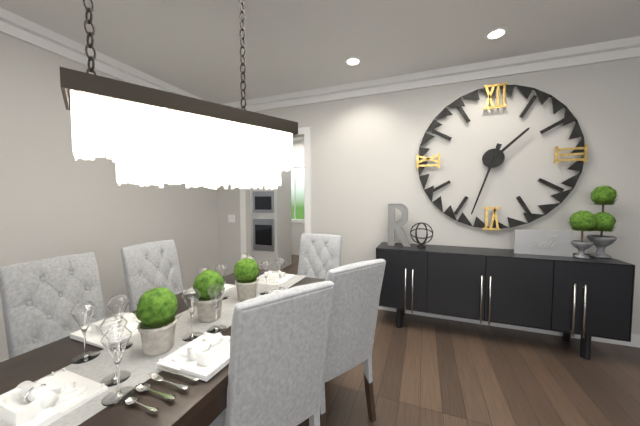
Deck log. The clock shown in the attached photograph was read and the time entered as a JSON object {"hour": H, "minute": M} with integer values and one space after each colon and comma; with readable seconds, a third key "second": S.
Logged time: {"hour": 1, "minute": 33}
